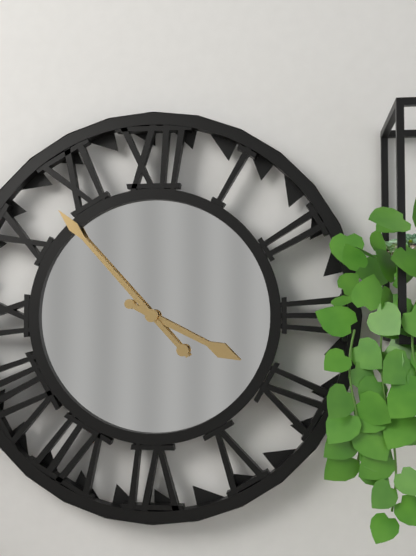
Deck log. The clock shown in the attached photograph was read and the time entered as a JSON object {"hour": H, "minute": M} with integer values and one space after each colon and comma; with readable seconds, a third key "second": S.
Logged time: {"hour": 3, "minute": 53}
